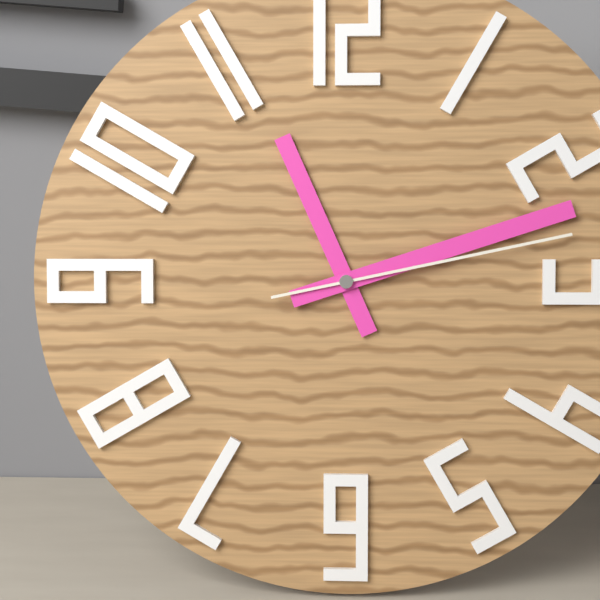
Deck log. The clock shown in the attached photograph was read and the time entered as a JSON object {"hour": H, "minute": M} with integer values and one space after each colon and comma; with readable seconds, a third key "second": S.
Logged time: {"hour": 11, "minute": 12, "second": 13}
